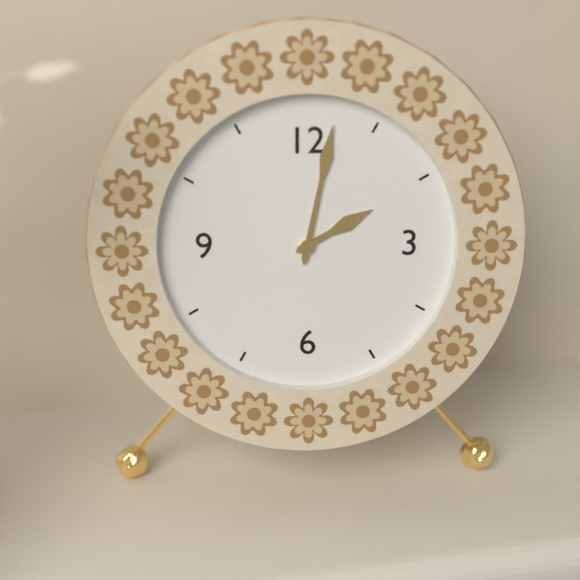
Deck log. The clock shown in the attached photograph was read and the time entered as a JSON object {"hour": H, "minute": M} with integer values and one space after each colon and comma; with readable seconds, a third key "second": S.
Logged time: {"hour": 2, "minute": 2}
